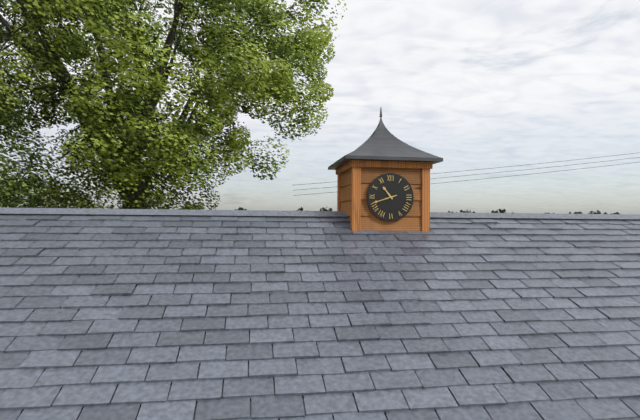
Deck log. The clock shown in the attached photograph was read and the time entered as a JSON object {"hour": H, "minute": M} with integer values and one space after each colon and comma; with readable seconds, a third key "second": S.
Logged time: {"hour": 10, "minute": 42}
